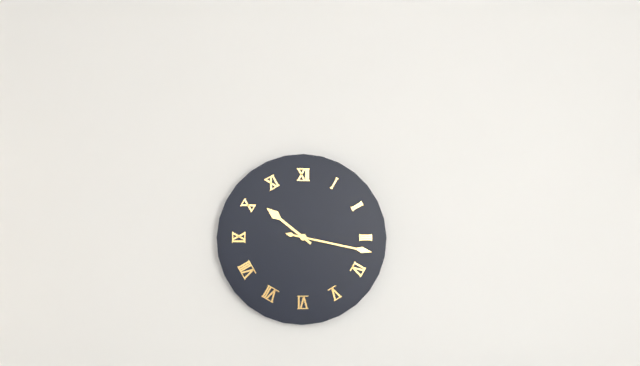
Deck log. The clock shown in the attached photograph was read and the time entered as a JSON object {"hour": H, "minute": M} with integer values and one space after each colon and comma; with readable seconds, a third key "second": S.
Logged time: {"hour": 10, "minute": 17}
